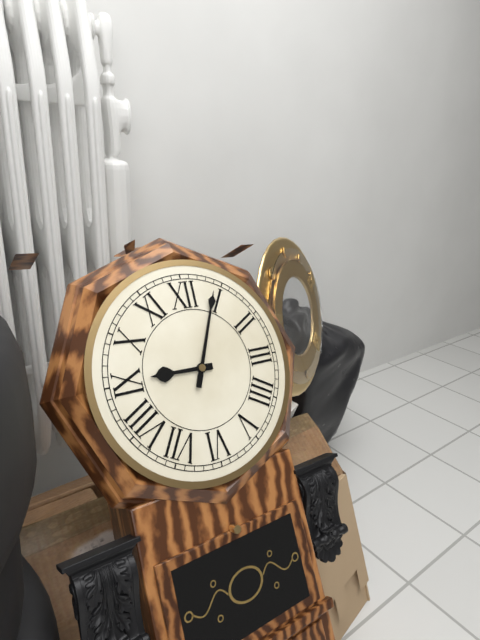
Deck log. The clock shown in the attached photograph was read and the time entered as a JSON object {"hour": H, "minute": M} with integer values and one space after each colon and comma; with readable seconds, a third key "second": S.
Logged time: {"hour": 9, "minute": 4}
